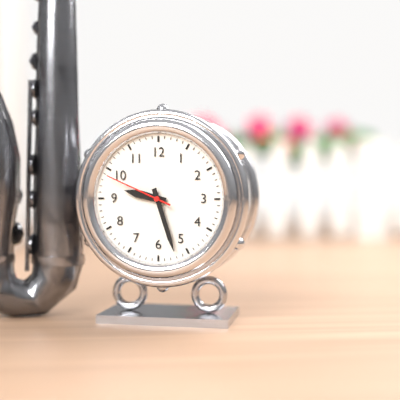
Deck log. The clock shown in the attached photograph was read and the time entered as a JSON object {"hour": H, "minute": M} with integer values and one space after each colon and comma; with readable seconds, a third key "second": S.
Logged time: {"hour": 9, "minute": 27, "second": 49}
